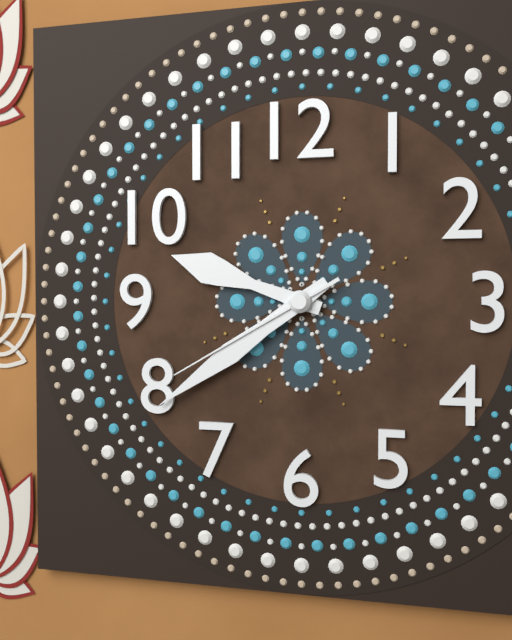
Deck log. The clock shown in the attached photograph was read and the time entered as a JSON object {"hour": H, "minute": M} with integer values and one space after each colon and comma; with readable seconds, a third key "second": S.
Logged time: {"hour": 9, "minute": 39, "second": 40}
